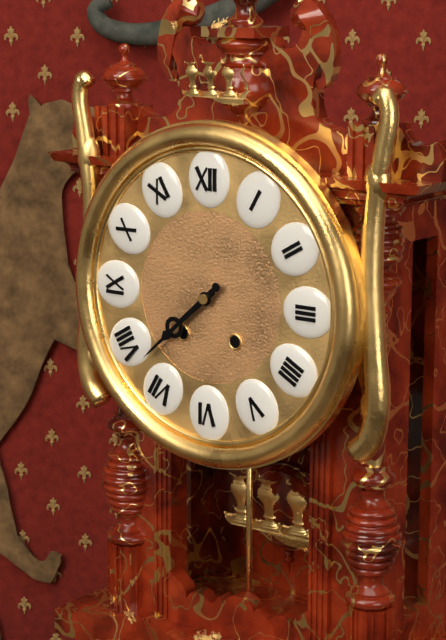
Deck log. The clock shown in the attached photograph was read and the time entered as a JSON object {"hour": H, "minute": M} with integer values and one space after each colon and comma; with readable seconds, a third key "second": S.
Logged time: {"hour": 7, "minute": 38}
